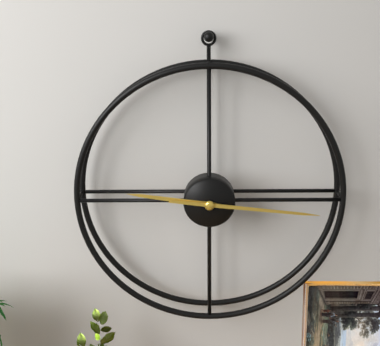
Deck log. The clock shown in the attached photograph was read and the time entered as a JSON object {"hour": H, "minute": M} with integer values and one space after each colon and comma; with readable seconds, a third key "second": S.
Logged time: {"hour": 9, "minute": 16}
